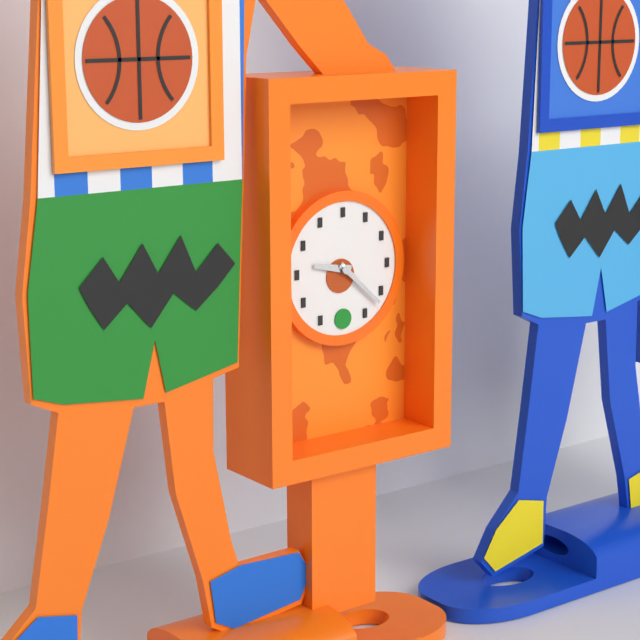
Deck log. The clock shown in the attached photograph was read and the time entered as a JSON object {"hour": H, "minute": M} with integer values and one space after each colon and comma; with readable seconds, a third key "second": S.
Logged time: {"hour": 9, "minute": 22}
